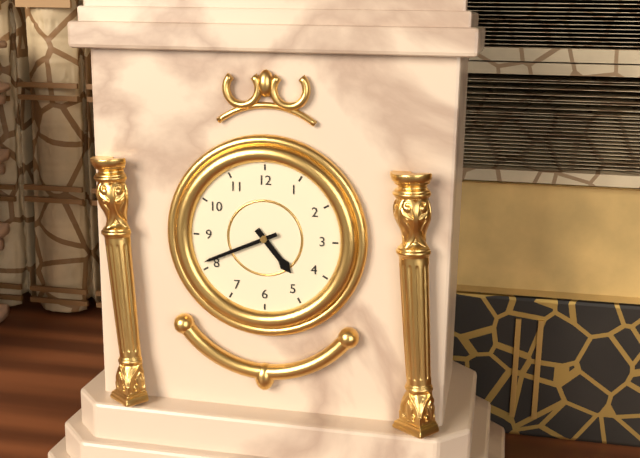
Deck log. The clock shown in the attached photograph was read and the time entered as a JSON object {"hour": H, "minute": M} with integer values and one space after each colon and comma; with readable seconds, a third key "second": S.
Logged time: {"hour": 4, "minute": 41}
